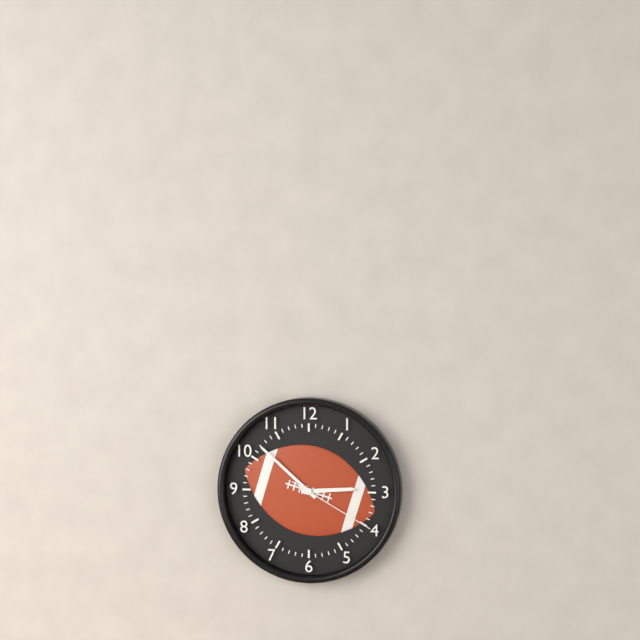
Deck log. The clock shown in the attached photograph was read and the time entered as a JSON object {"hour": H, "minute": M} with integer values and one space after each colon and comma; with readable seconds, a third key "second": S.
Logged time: {"hour": 2, "minute": 52, "second": 20}
